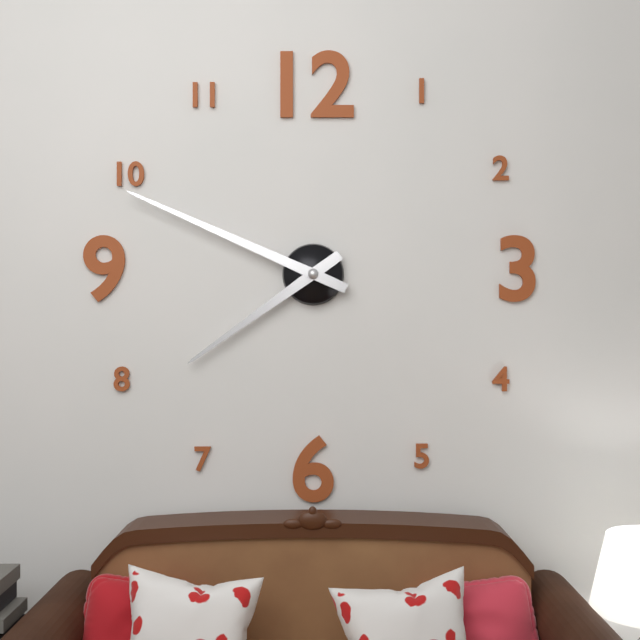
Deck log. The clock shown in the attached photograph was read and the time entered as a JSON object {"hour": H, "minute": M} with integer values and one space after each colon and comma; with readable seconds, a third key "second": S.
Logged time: {"hour": 7, "minute": 49}
